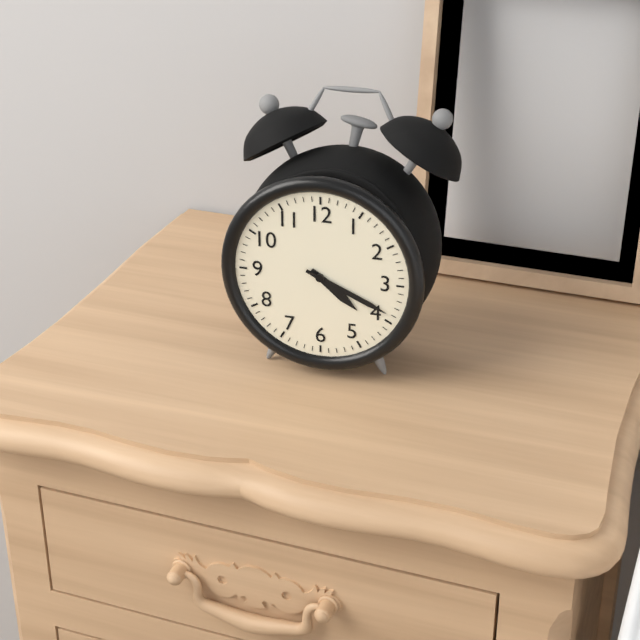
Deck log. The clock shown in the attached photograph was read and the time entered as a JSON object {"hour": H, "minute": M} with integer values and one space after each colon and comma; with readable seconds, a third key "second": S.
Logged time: {"hour": 4, "minute": 19}
